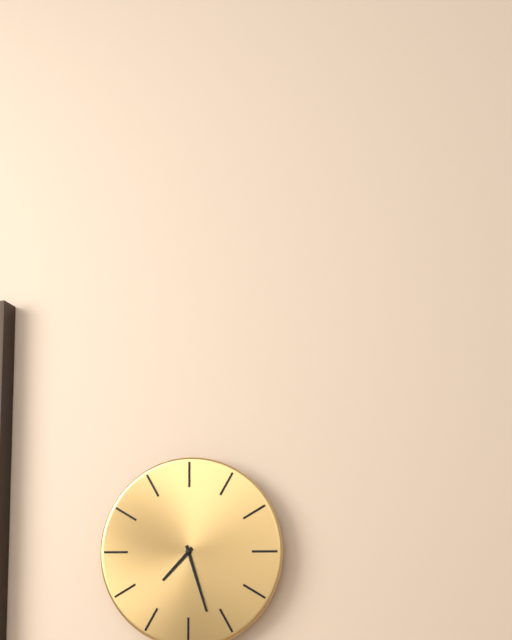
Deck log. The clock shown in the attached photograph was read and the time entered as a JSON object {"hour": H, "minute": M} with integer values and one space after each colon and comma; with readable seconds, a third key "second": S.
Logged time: {"hour": 7, "minute": 27}
